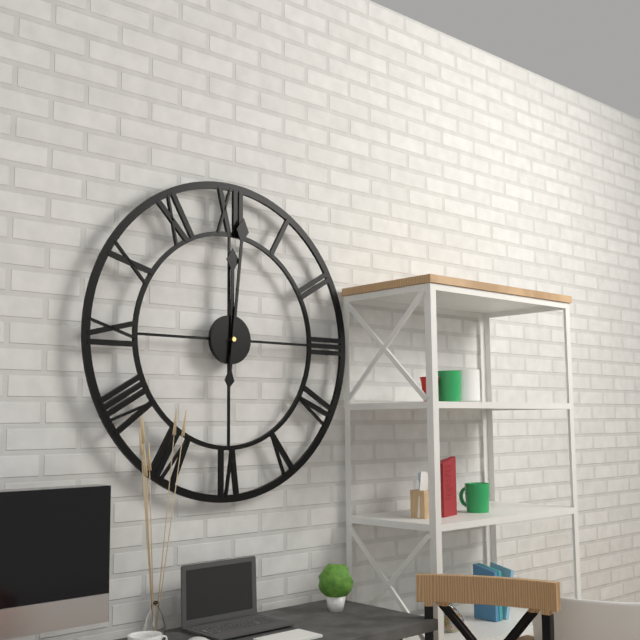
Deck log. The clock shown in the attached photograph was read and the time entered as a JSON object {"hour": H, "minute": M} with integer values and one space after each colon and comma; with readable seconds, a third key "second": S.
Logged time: {"hour": 12, "minute": 1}
